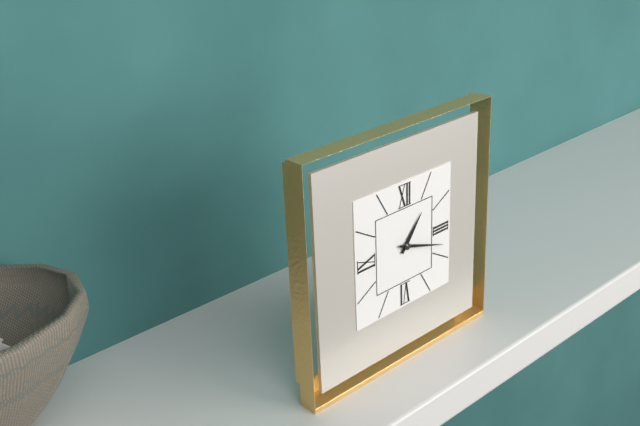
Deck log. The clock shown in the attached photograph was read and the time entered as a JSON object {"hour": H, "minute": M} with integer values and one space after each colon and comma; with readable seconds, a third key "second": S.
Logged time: {"hour": 1, "minute": 18}
